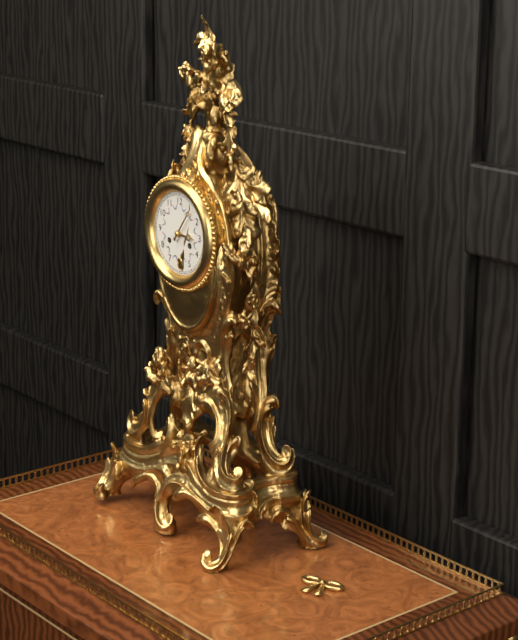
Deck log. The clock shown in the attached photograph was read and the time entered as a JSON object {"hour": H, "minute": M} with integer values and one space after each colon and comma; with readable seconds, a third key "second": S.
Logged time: {"hour": 3, "minute": 6}
